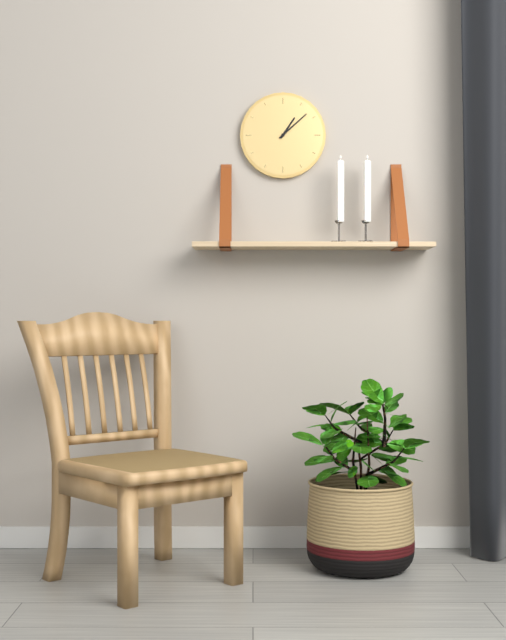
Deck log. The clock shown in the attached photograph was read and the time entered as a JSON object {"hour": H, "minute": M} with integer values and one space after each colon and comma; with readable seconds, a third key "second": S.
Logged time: {"hour": 1, "minute": 8}
